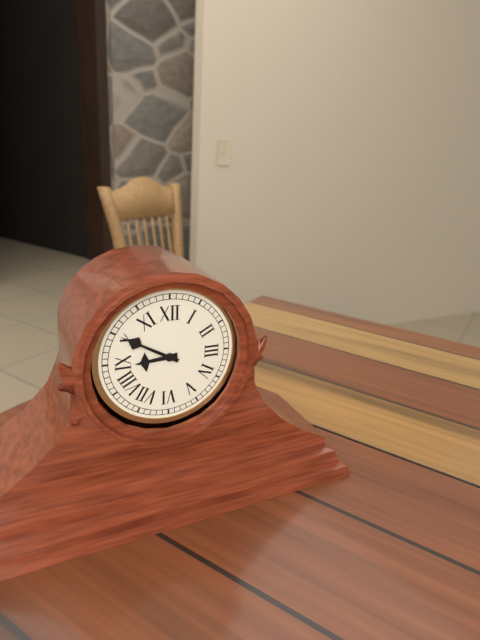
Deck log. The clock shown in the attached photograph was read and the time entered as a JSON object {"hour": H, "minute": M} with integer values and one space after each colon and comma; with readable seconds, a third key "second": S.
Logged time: {"hour": 8, "minute": 50}
